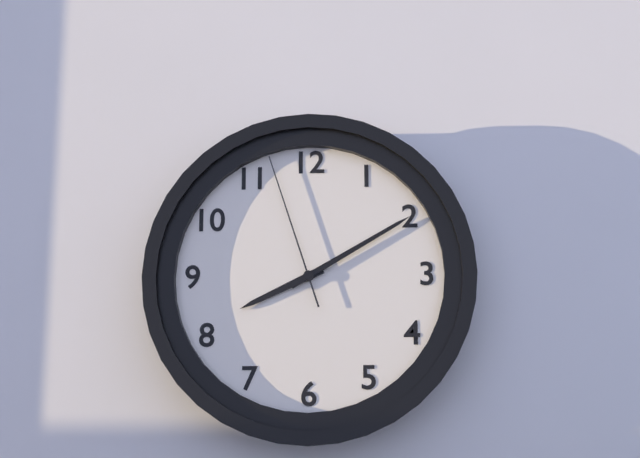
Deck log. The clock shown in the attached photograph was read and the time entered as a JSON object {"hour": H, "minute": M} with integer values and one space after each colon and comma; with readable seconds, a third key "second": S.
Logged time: {"hour": 8, "minute": 10, "second": 57}
